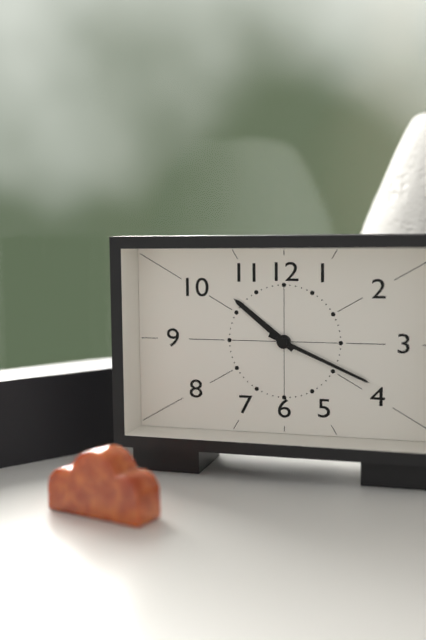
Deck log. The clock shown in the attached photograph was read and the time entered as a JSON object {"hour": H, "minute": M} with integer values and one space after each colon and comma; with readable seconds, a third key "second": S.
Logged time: {"hour": 10, "minute": 19}
